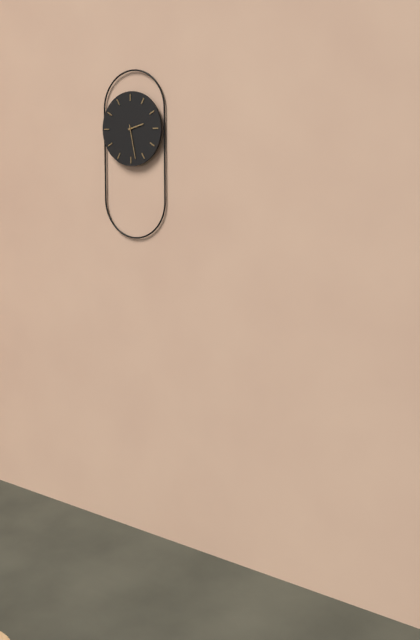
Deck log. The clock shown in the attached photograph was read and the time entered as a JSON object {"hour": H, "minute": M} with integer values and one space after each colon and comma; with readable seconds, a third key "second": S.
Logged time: {"hour": 2, "minute": 28}
